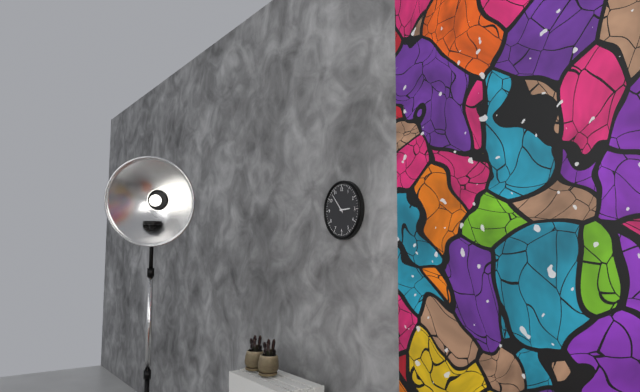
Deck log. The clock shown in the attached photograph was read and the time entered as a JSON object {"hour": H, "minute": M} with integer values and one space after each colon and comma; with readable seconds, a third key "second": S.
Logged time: {"hour": 2, "minute": 53}
